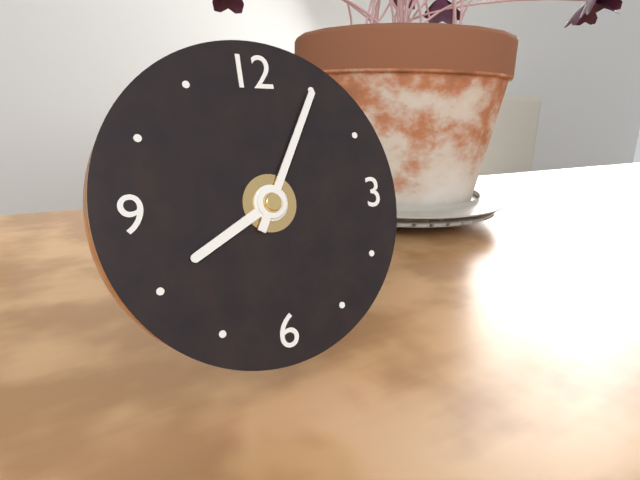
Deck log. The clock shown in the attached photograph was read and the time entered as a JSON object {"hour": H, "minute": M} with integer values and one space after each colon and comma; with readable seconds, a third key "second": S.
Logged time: {"hour": 8, "minute": 5}
